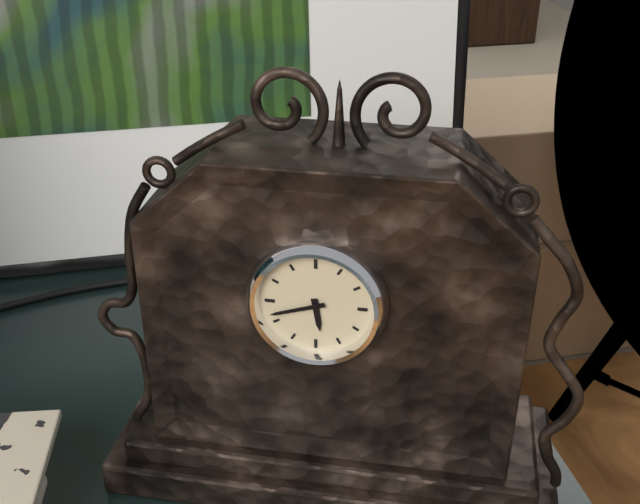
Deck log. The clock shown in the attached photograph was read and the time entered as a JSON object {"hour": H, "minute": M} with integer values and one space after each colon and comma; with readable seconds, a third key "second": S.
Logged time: {"hour": 5, "minute": 42}
